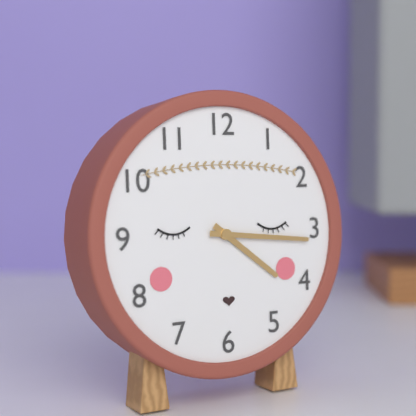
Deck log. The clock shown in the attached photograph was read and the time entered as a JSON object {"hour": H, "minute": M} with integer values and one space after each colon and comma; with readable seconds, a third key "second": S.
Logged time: {"hour": 4, "minute": 16}
